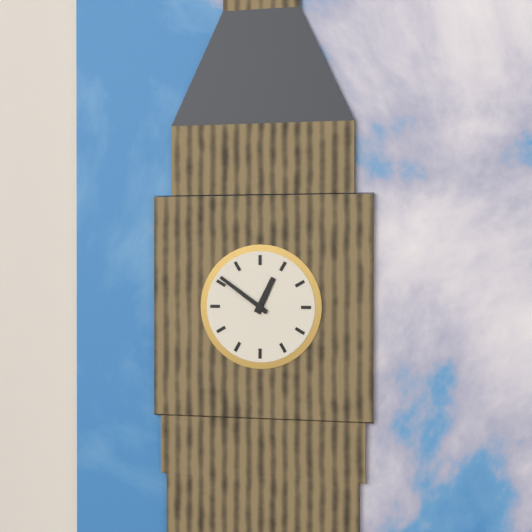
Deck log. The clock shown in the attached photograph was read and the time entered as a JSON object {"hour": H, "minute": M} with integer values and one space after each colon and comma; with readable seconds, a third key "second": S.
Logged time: {"hour": 12, "minute": 51}
